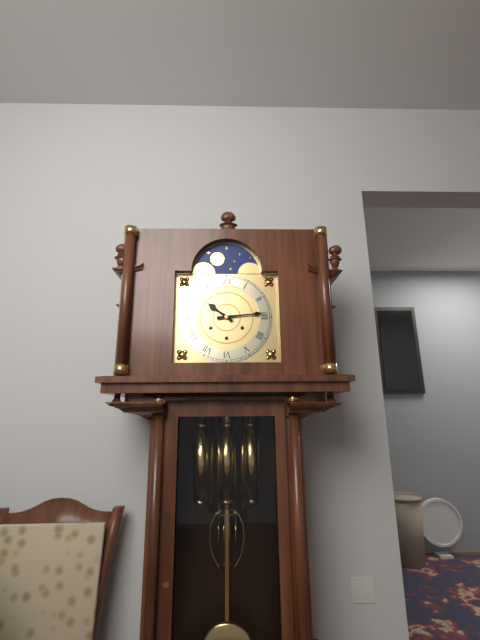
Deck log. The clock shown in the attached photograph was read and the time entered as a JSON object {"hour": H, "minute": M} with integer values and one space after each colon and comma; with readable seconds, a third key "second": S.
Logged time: {"hour": 10, "minute": 14}
